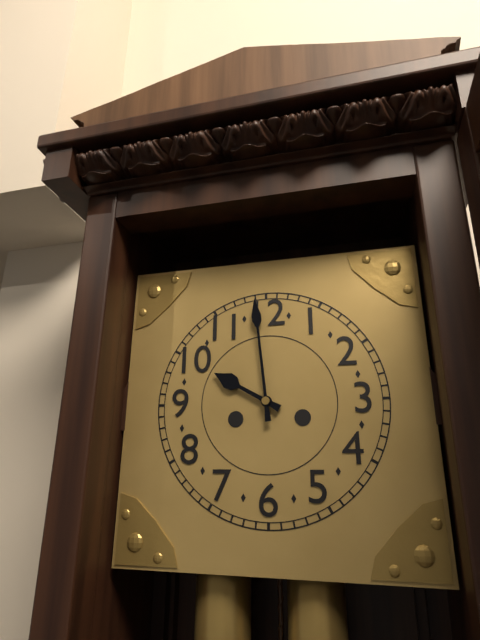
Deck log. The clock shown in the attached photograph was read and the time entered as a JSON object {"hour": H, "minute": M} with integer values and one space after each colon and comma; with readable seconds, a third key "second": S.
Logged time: {"hour": 9, "minute": 59}
